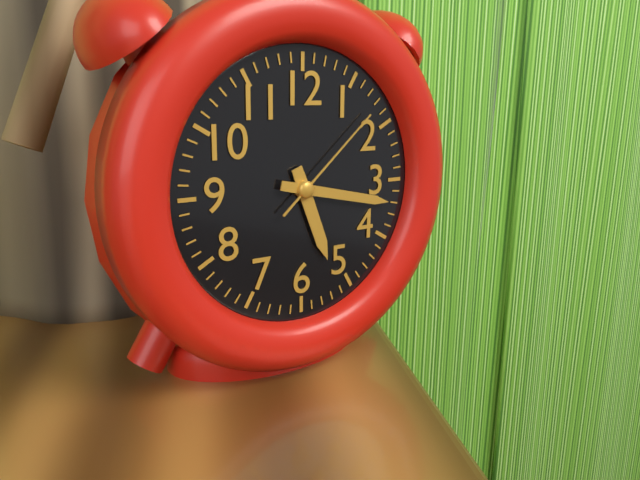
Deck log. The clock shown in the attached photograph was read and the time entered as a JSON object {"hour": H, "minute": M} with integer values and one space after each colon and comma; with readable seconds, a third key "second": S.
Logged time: {"hour": 5, "minute": 17, "second": 8}
